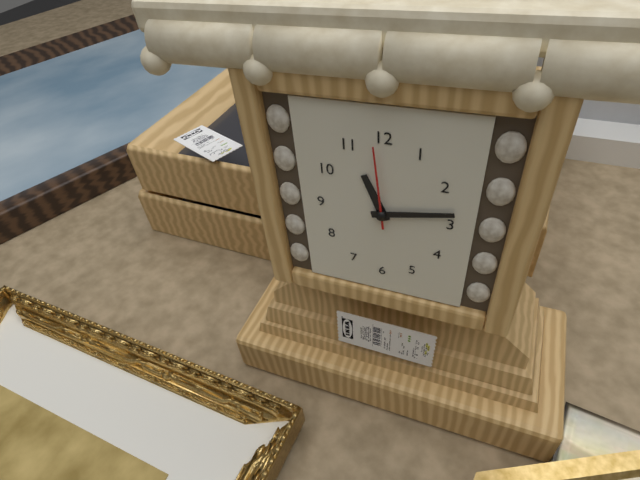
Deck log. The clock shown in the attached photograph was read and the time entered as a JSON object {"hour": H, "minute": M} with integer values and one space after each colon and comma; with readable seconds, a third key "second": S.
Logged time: {"hour": 11, "minute": 13, "second": 59}
